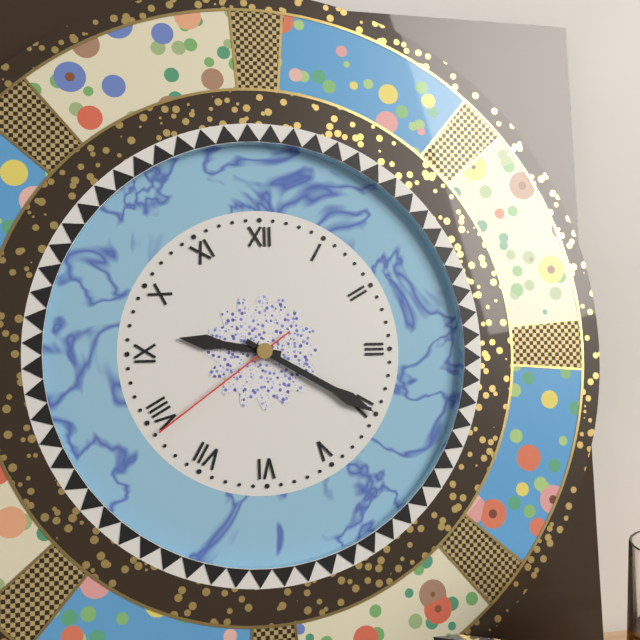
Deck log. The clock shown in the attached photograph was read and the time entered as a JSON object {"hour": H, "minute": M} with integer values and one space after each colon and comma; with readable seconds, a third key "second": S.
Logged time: {"hour": 9, "minute": 20, "second": 39}
